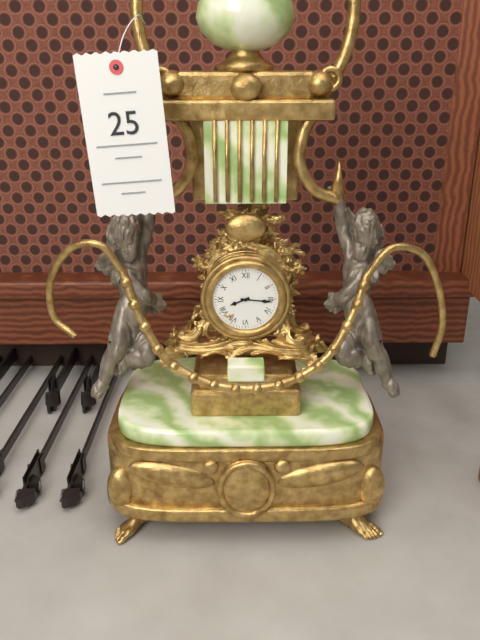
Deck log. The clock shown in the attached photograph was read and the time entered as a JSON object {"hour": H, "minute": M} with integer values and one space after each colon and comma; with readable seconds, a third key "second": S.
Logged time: {"hour": 8, "minute": 16}
